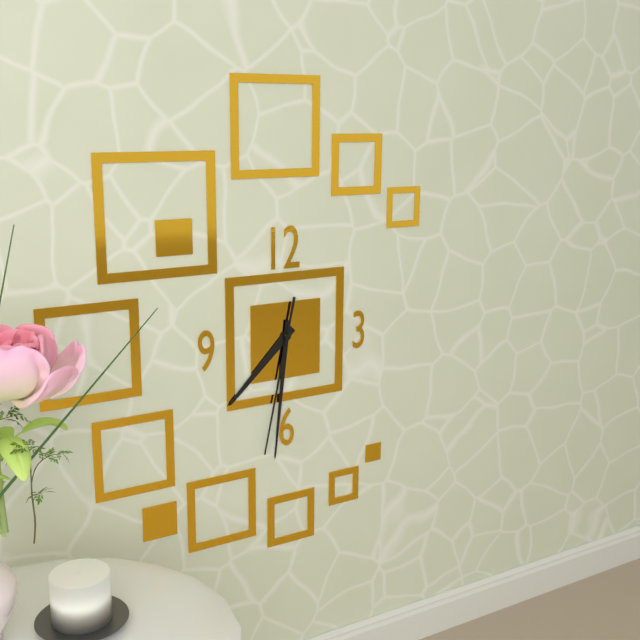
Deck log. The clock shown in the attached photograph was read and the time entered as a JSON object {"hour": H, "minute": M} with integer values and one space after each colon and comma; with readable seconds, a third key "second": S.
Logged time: {"hour": 7, "minute": 31, "second": 32}
